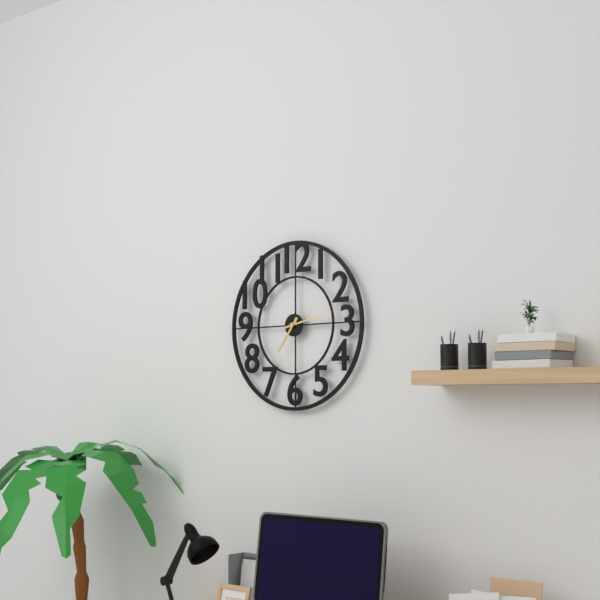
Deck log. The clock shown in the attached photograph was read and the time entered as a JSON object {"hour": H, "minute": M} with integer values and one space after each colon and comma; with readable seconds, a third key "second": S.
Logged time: {"hour": 7, "minute": 13}
